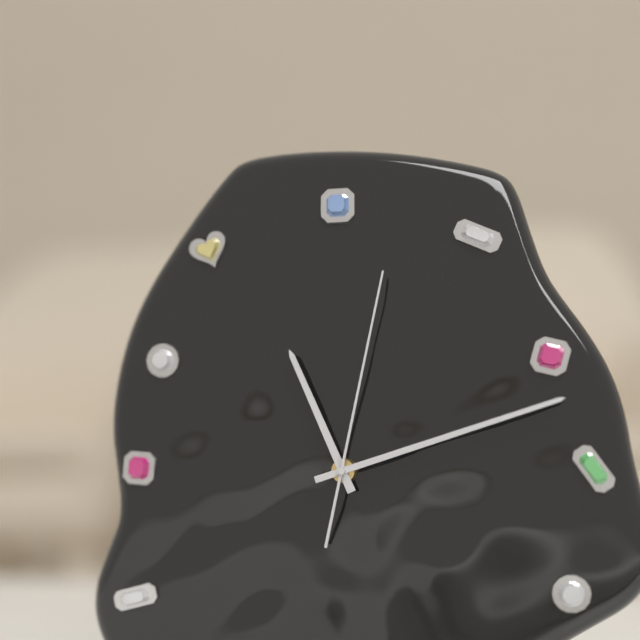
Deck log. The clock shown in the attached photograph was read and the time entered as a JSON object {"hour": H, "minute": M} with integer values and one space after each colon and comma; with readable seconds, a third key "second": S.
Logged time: {"hour": 11, "minute": 12, "second": 2}
